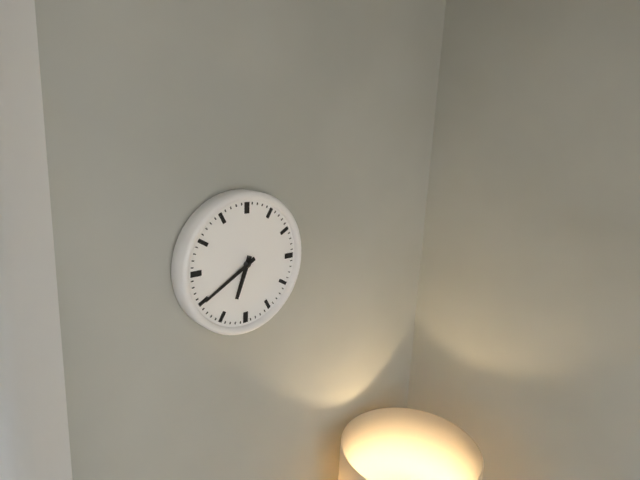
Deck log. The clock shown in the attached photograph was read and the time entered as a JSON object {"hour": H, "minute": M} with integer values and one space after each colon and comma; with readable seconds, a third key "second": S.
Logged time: {"hour": 6, "minute": 40}
